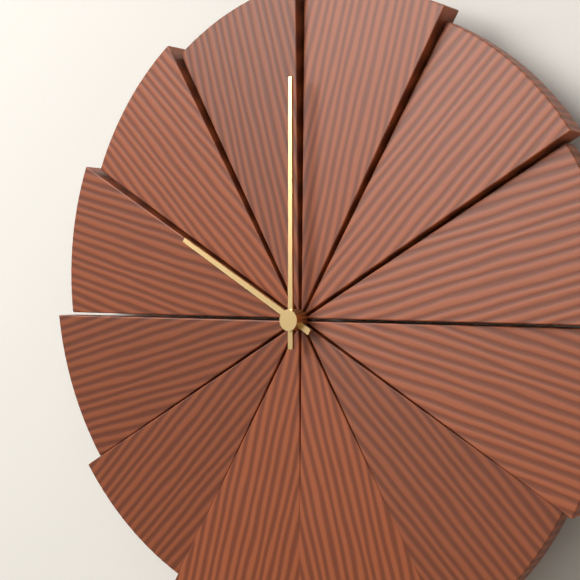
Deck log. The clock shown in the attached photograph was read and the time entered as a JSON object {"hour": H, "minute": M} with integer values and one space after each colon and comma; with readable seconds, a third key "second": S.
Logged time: {"hour": 10, "minute": 0}
